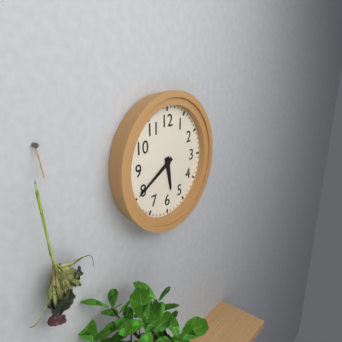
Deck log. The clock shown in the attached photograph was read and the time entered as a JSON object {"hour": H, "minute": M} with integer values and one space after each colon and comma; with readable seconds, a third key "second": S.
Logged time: {"hour": 5, "minute": 40}
